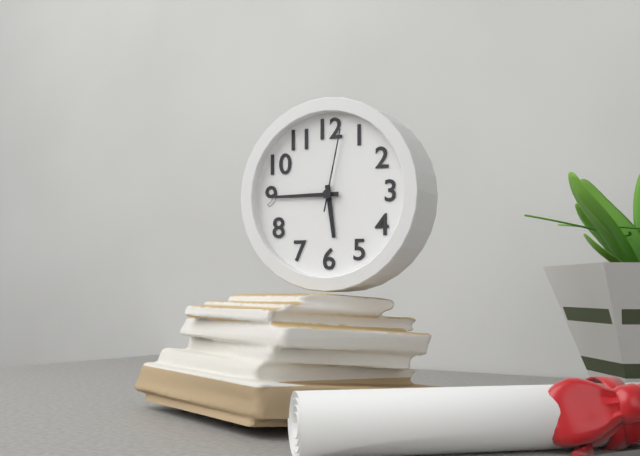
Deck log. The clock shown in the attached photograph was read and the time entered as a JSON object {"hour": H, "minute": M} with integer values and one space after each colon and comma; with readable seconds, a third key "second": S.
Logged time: {"hour": 5, "minute": 45, "second": 2}
